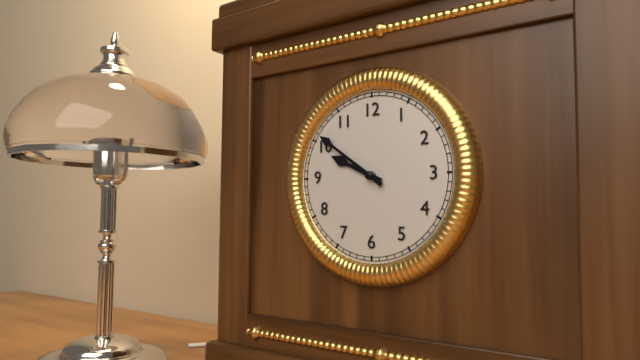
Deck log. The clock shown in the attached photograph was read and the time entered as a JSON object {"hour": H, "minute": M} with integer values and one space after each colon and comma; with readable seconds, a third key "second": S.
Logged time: {"hour": 9, "minute": 51}
